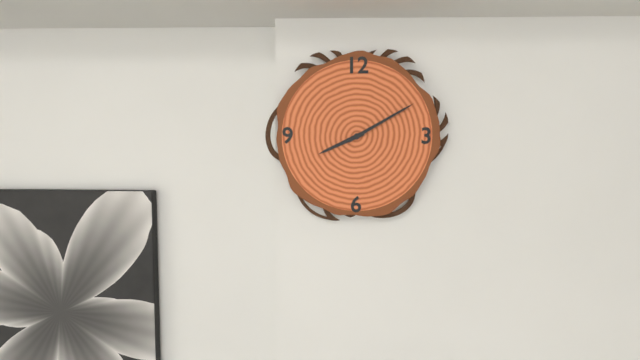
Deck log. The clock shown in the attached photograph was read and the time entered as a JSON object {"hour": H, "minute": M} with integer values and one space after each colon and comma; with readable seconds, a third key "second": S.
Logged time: {"hour": 8, "minute": 10}
